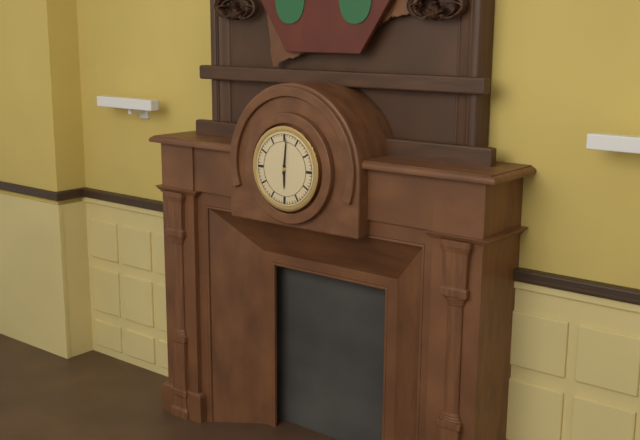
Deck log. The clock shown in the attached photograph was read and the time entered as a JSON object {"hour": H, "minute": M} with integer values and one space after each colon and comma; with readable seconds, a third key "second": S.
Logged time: {"hour": 6, "minute": 1}
